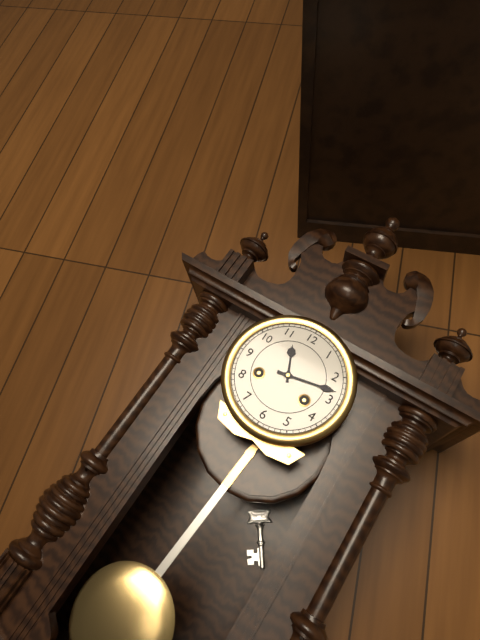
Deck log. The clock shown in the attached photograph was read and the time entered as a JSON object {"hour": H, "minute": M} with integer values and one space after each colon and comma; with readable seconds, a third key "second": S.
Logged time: {"hour": 11, "minute": 13}
